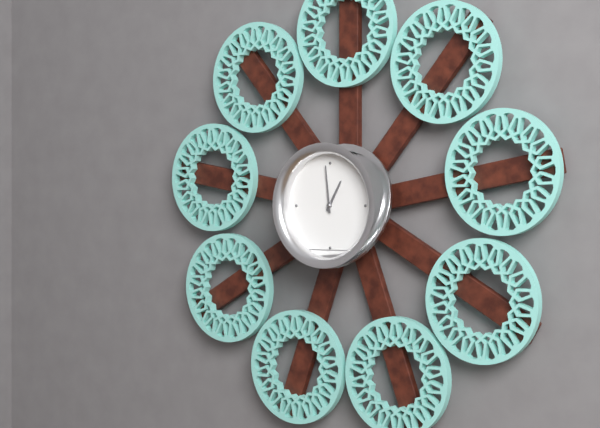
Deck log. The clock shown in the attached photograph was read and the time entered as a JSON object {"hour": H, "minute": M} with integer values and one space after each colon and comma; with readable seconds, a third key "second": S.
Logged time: {"hour": 12, "minute": 59}
